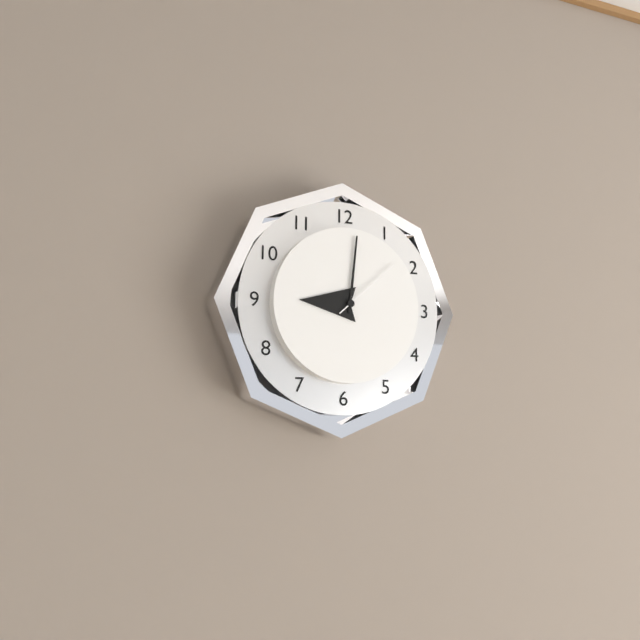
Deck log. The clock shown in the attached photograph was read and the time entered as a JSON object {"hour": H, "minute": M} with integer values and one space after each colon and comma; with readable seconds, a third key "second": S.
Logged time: {"hour": 9, "minute": 1, "second": 8}
